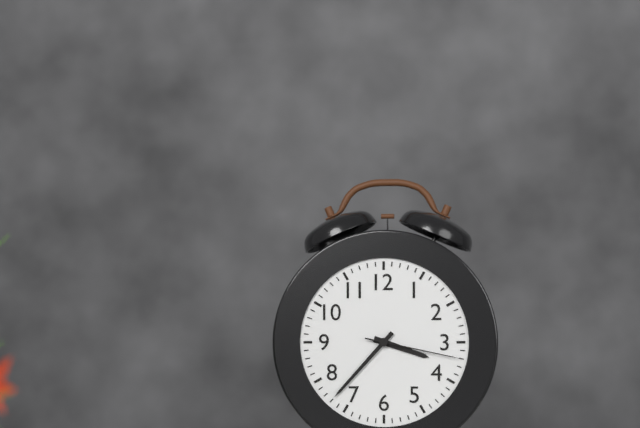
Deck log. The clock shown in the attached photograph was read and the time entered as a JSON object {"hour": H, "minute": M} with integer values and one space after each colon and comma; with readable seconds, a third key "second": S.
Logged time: {"hour": 3, "minute": 37, "second": 17}
